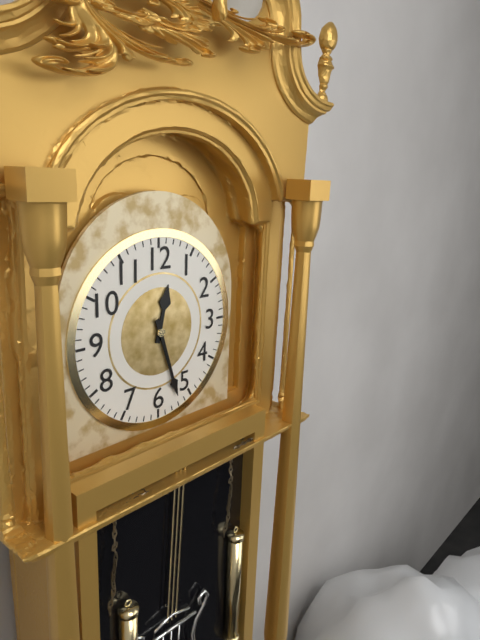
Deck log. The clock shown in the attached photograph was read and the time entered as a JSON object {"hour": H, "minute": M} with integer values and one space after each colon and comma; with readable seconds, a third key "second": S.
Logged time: {"hour": 12, "minute": 27}
